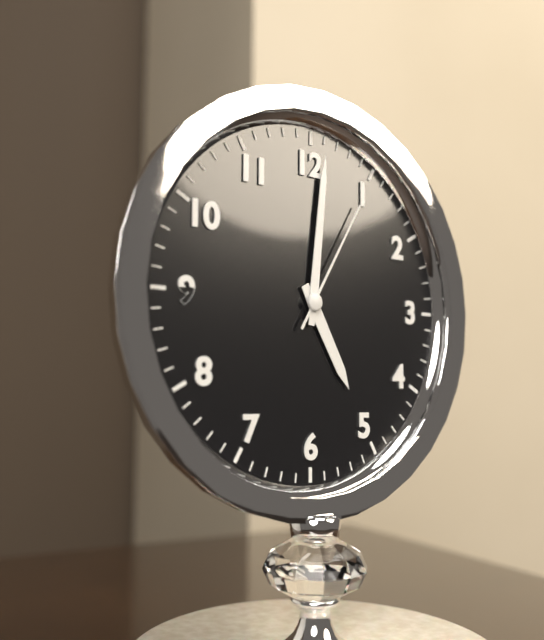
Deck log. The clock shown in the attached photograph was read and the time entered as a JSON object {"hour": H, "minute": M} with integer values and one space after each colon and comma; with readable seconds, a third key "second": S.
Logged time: {"hour": 5, "minute": 1, "second": 5}
